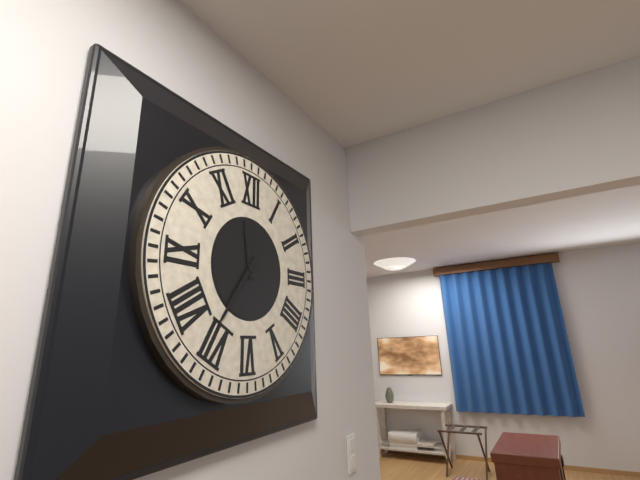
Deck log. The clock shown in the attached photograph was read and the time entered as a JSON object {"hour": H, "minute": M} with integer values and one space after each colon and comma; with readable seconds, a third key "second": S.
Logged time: {"hour": 11, "minute": 36}
